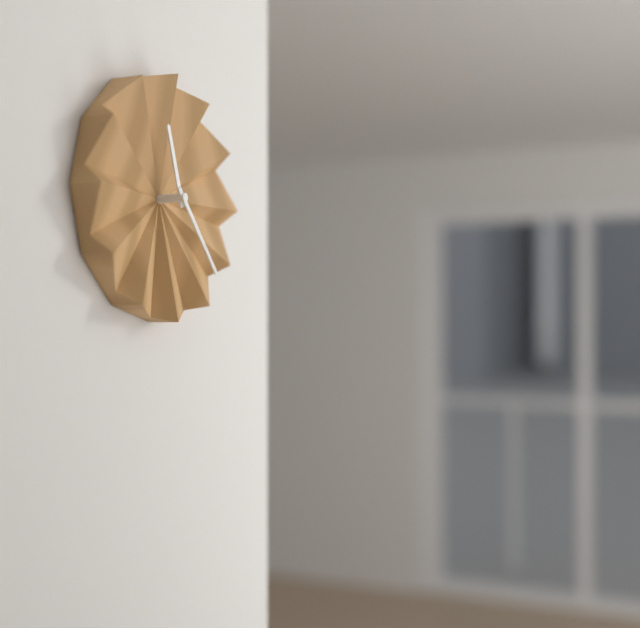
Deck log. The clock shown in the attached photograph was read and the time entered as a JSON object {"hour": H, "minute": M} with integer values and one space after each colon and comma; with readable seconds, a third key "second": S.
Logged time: {"hour": 11, "minute": 23}
